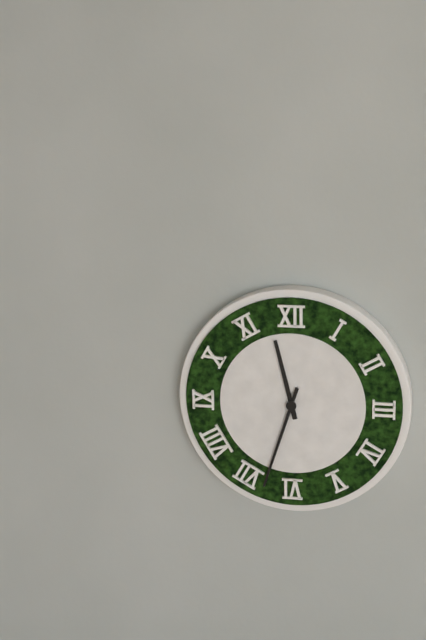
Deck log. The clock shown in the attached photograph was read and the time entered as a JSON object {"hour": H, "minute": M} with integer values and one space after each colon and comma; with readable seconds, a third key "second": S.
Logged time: {"hour": 11, "minute": 33}
